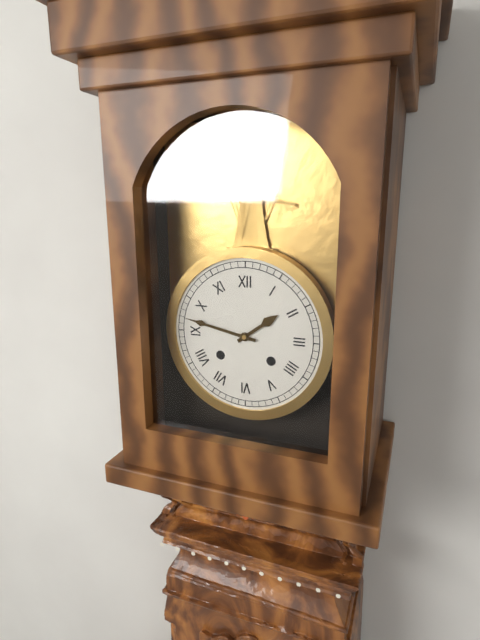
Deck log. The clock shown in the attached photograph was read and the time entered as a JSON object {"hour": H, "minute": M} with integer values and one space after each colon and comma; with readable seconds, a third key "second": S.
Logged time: {"hour": 1, "minute": 47}
